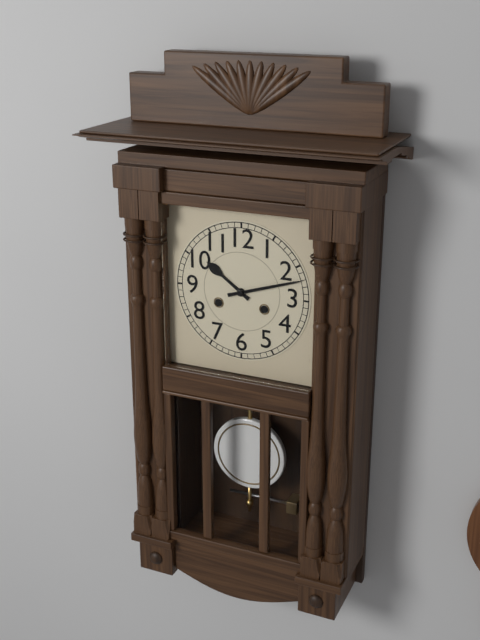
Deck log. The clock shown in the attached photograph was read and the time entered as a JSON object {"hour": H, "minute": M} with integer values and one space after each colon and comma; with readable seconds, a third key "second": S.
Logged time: {"hour": 10, "minute": 12}
